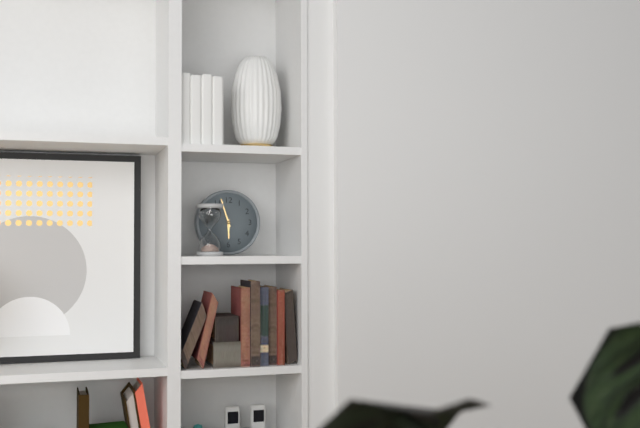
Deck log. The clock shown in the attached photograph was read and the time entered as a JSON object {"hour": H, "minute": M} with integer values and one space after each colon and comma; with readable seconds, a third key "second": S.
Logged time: {"hour": 5, "minute": 57}
